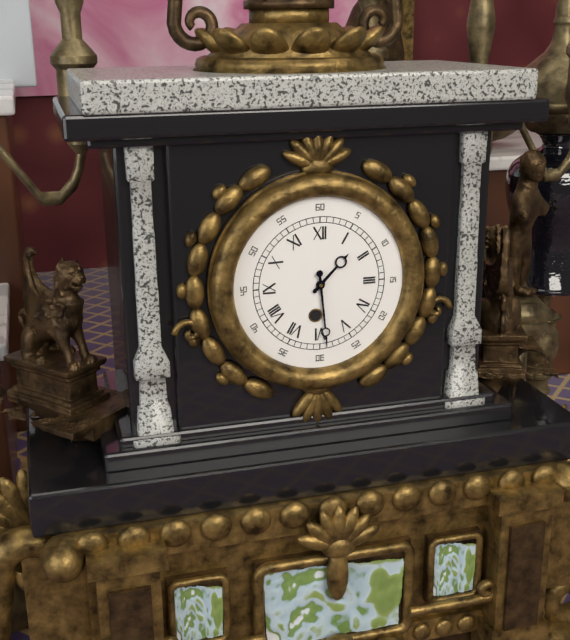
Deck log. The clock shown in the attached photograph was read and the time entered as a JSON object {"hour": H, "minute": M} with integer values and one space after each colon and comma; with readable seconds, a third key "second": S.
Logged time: {"hour": 1, "minute": 29}
